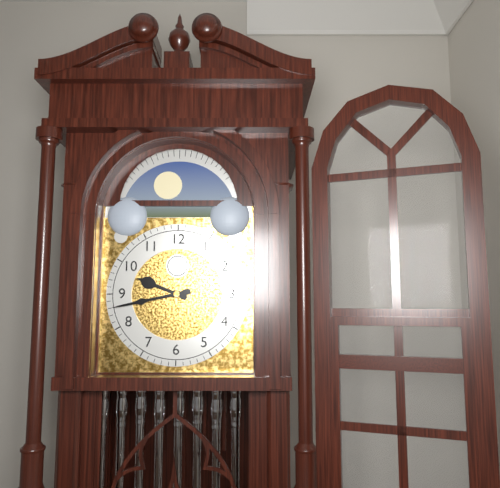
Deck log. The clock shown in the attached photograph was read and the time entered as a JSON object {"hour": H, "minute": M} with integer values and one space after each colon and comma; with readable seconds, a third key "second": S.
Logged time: {"hour": 9, "minute": 43}
